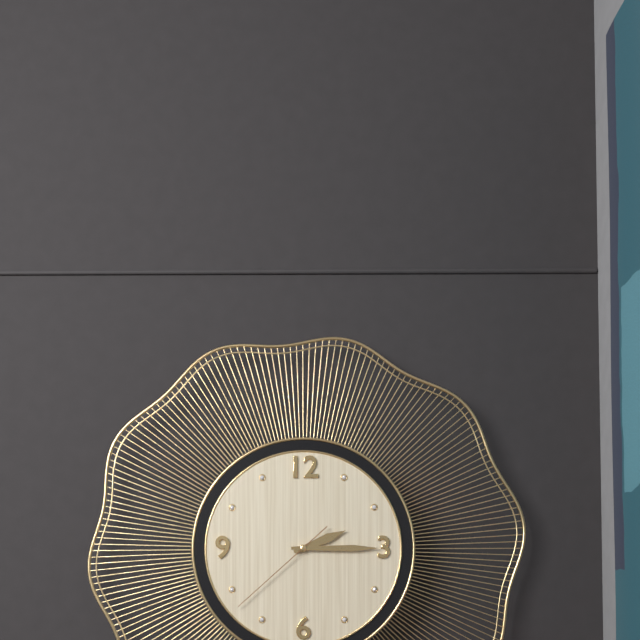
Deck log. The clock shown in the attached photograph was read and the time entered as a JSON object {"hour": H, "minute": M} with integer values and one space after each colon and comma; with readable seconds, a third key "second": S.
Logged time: {"hour": 2, "minute": 15, "second": 38}
